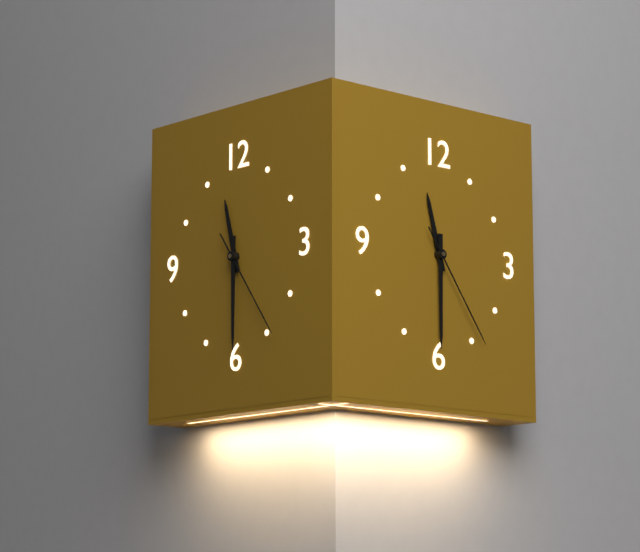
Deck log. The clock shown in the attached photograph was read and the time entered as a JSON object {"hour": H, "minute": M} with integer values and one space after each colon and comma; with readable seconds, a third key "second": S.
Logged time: {"hour": 11, "minute": 30, "second": 24}
